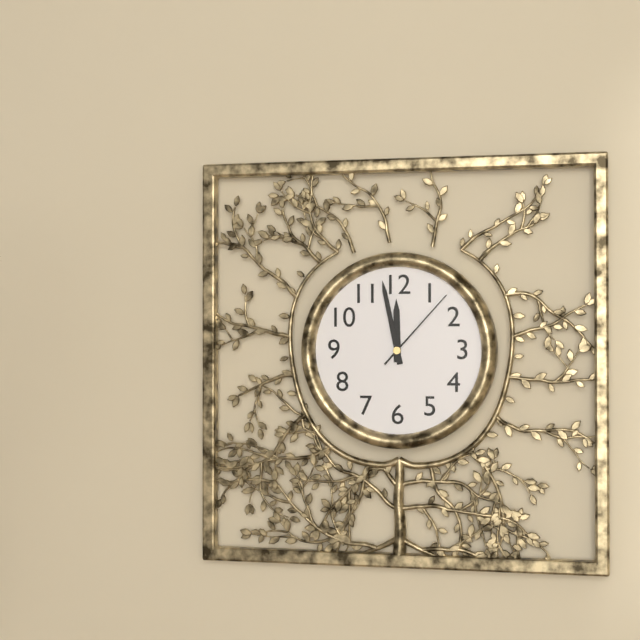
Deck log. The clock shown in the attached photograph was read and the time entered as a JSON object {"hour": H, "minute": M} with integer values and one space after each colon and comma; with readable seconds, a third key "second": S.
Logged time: {"hour": 11, "minute": 58, "second": 7}
